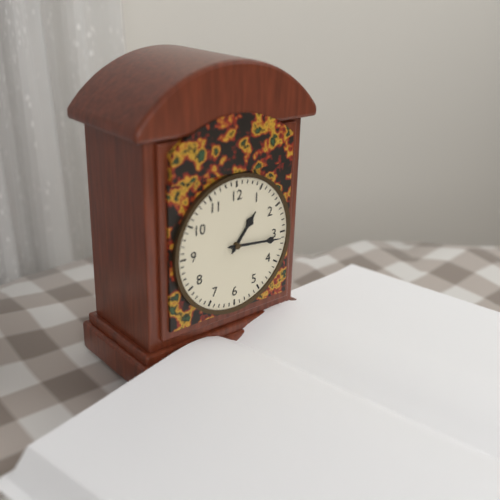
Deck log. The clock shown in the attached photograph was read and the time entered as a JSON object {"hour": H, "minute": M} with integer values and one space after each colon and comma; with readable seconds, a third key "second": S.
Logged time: {"hour": 1, "minute": 16}
